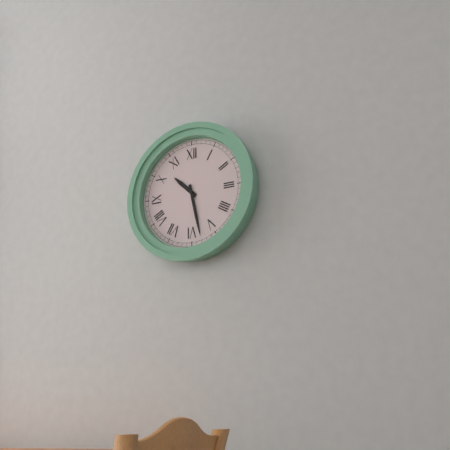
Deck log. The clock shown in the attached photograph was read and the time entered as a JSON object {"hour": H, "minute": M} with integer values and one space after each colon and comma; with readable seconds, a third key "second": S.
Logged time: {"hour": 10, "minute": 28}
